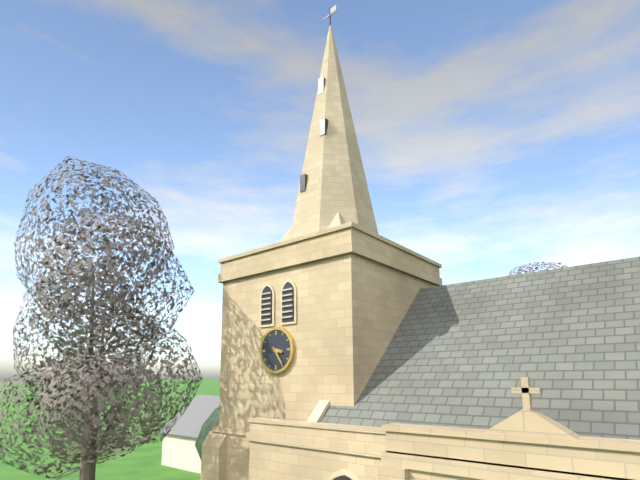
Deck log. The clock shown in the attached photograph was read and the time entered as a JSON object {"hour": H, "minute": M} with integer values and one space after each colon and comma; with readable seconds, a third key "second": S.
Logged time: {"hour": 3, "minute": 24}
